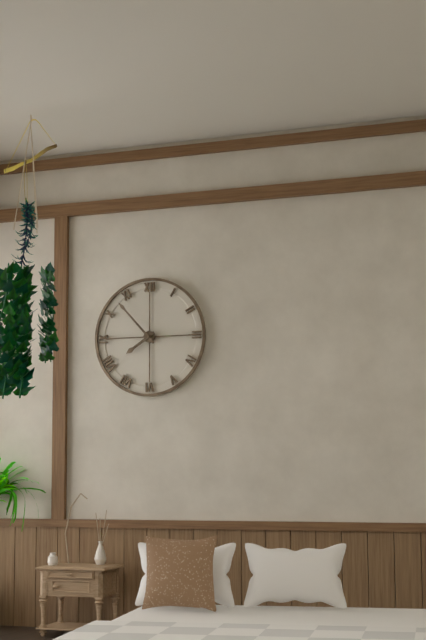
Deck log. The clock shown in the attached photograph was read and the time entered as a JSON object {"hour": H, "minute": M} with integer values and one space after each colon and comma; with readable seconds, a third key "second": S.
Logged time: {"hour": 7, "minute": 53}
